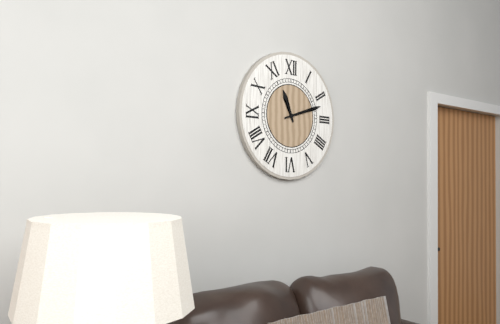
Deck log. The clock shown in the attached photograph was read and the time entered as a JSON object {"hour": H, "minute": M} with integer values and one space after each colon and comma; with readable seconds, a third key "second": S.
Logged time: {"hour": 11, "minute": 12}
